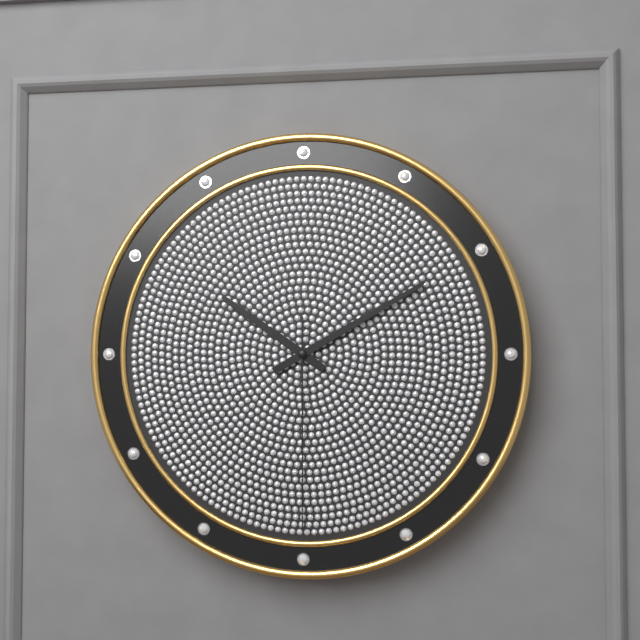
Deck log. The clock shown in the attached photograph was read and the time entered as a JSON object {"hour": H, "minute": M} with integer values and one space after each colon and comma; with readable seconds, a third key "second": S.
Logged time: {"hour": 10, "minute": 10, "second": 30}
